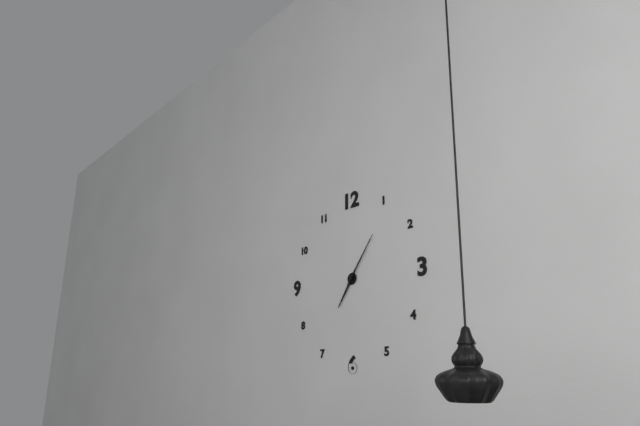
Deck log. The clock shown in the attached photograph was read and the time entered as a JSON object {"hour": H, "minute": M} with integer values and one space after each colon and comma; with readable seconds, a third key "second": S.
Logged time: {"hour": 7, "minute": 6}
